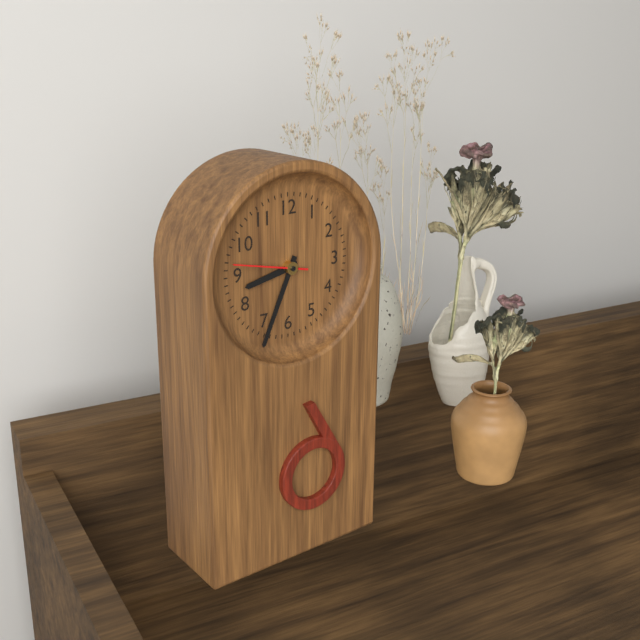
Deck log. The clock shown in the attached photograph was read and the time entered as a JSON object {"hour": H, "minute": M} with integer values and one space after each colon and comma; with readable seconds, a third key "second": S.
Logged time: {"hour": 8, "minute": 34, "second": 47}
